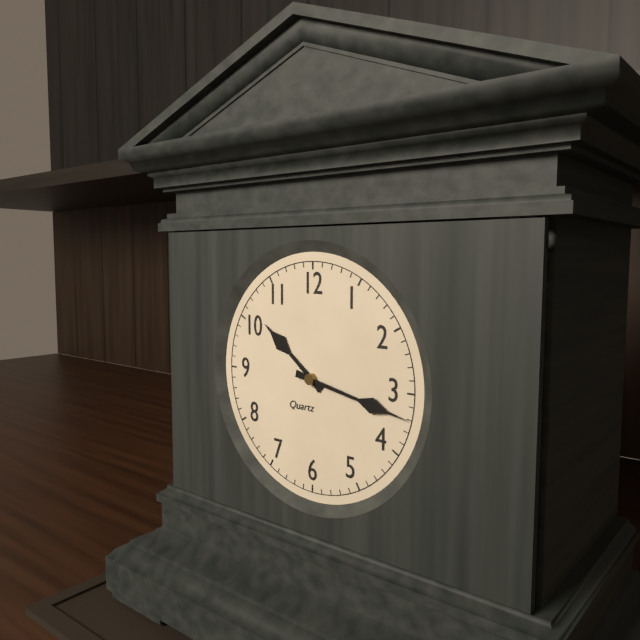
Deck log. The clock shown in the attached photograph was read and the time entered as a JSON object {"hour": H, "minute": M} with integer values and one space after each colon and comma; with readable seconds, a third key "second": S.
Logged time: {"hour": 10, "minute": 17}
